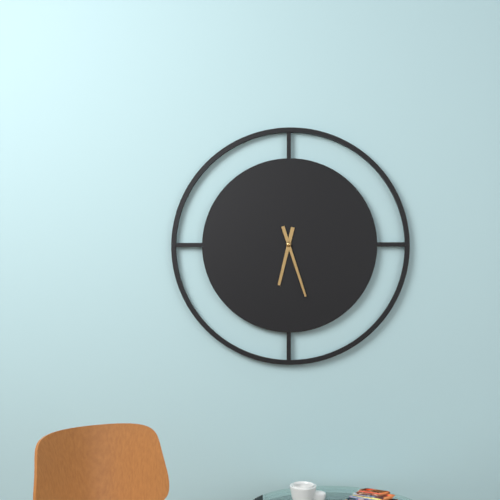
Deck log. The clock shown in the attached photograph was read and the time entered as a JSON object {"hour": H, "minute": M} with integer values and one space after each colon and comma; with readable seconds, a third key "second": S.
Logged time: {"hour": 6, "minute": 27}
